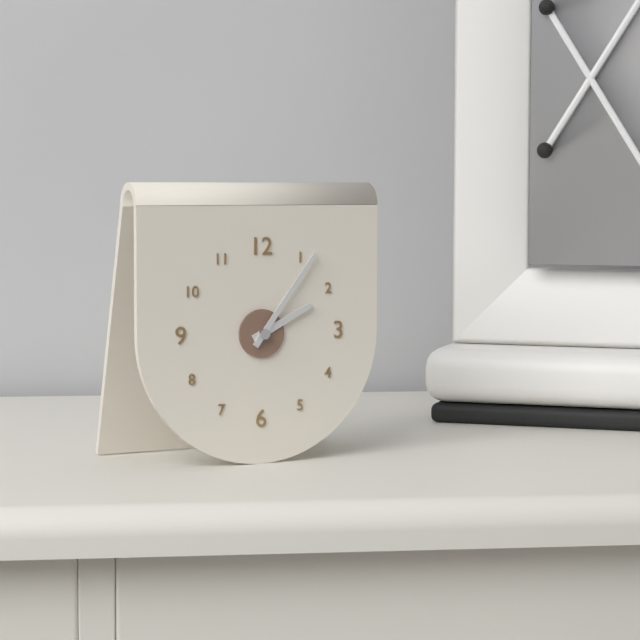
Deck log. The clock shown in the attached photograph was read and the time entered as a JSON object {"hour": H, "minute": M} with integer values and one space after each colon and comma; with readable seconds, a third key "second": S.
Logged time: {"hour": 2, "minute": 6}
